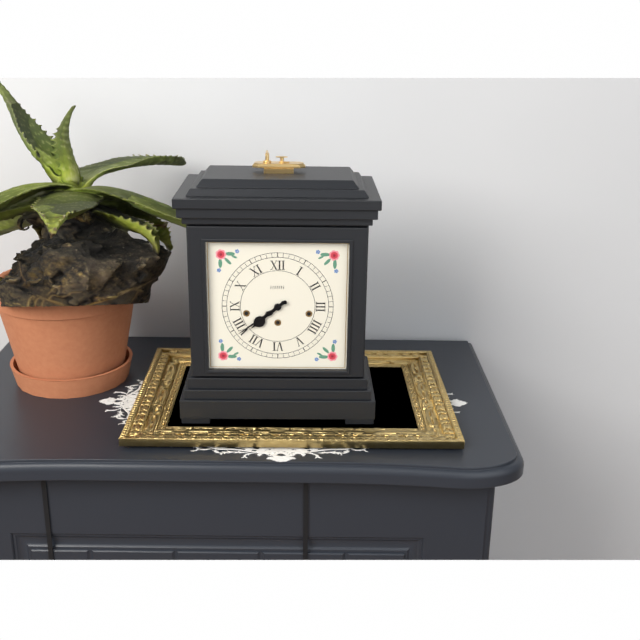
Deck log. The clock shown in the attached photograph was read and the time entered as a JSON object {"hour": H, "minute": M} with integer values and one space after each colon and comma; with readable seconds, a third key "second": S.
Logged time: {"hour": 7, "minute": 39}
